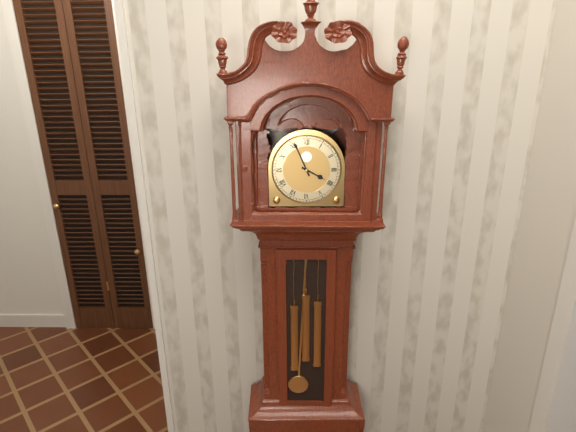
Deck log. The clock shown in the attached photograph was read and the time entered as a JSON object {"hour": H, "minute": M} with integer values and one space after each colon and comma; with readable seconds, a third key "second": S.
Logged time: {"hour": 3, "minute": 56}
